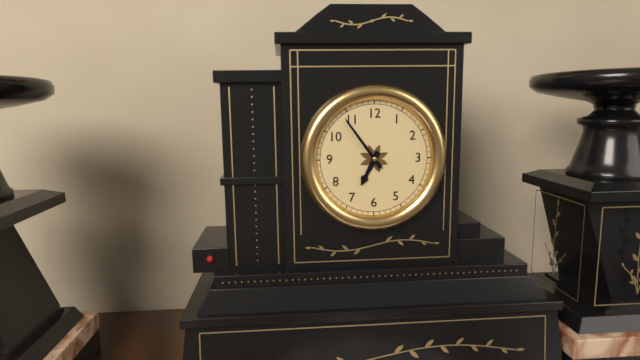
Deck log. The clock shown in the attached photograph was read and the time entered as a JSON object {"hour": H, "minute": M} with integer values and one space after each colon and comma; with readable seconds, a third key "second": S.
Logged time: {"hour": 6, "minute": 54}
